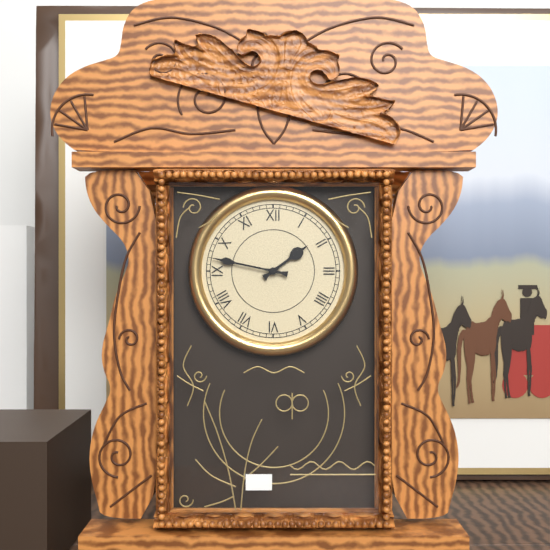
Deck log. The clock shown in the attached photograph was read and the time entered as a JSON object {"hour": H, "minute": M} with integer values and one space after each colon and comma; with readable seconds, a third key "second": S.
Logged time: {"hour": 1, "minute": 47}
